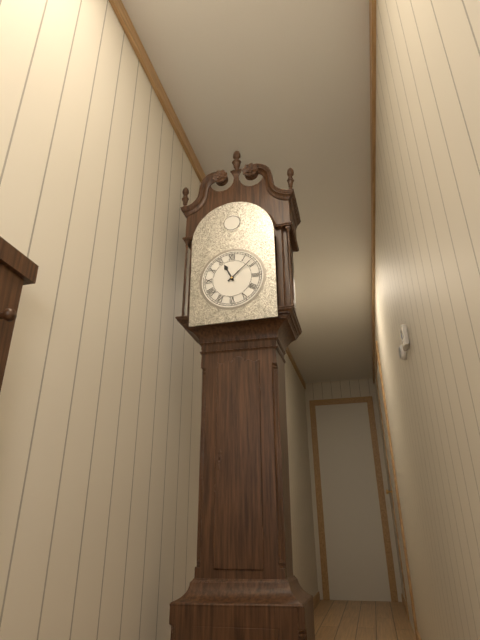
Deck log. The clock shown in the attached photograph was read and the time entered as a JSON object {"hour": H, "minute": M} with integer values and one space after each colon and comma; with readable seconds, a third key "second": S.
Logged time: {"hour": 11, "minute": 8}
